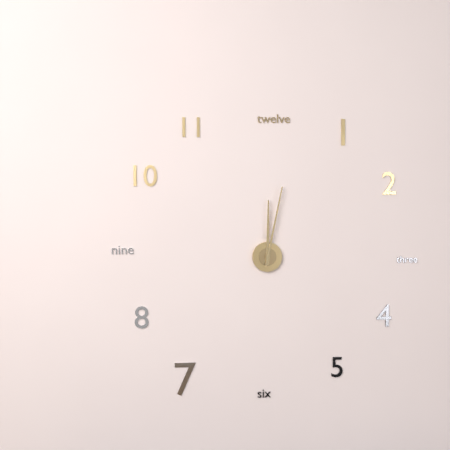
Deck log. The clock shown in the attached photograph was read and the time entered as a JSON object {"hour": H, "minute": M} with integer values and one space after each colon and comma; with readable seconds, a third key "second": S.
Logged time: {"hour": 12, "minute": 2}
